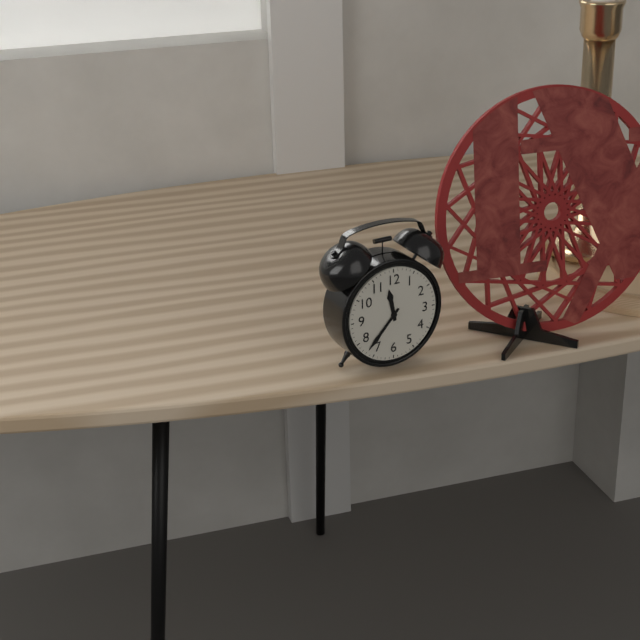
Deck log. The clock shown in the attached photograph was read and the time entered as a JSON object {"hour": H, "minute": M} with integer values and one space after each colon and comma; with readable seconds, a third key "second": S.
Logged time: {"hour": 11, "minute": 37}
